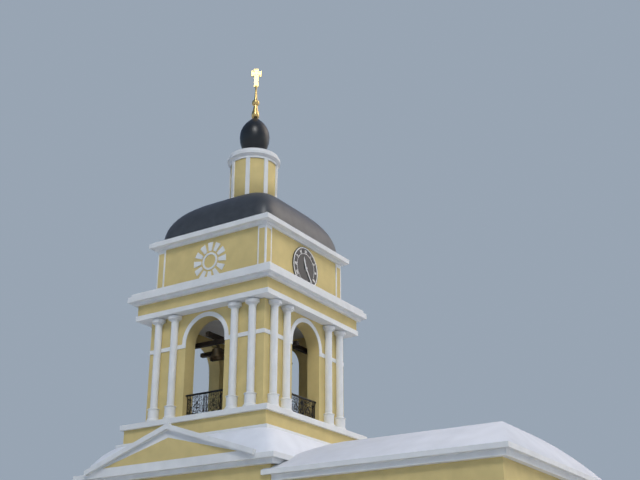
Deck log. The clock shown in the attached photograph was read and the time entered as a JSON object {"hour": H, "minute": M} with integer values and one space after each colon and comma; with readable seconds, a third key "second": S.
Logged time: {"hour": 11, "minute": 24}
